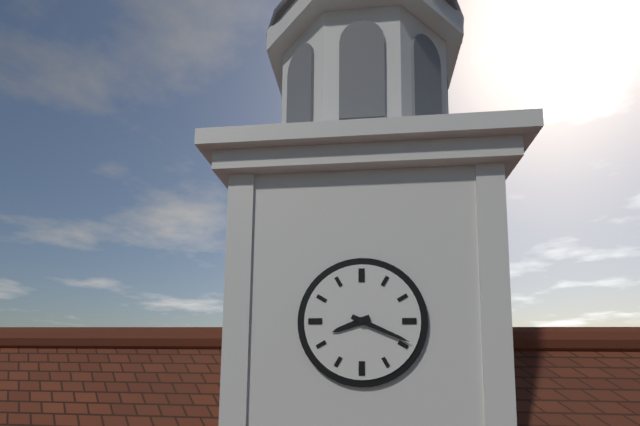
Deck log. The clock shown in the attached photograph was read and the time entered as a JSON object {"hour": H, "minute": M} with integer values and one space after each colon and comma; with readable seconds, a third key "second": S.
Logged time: {"hour": 8, "minute": 19}
